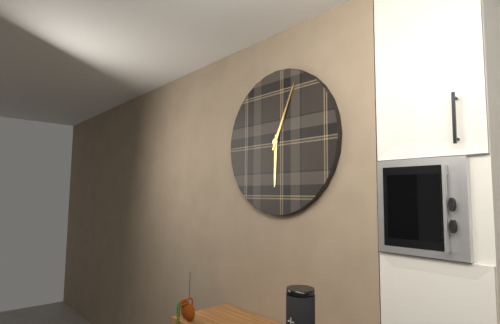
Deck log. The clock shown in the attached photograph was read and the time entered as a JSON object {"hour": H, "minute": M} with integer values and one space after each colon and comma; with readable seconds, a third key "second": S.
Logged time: {"hour": 6, "minute": 4}
